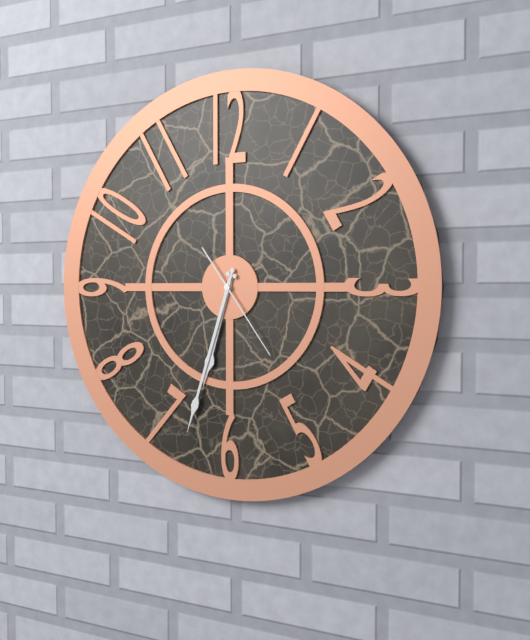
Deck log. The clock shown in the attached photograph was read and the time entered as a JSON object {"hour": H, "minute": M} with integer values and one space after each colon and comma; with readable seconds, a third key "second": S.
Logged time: {"hour": 6, "minute": 33, "second": 24}
